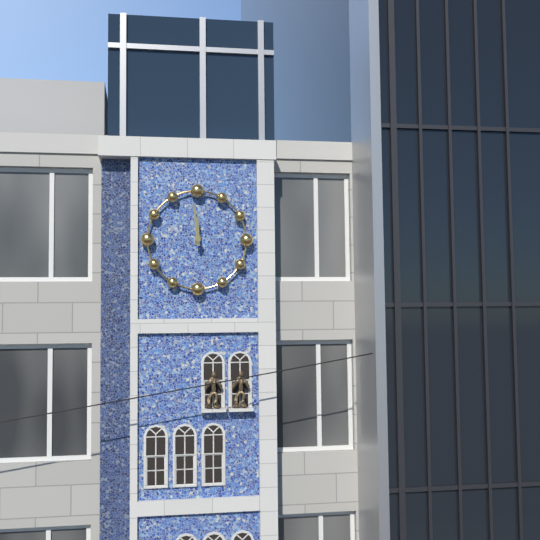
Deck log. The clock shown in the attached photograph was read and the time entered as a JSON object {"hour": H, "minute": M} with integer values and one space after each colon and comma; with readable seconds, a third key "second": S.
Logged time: {"hour": 11, "minute": 59}
